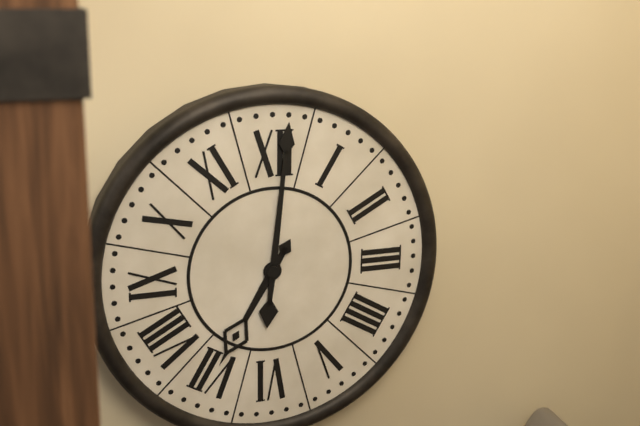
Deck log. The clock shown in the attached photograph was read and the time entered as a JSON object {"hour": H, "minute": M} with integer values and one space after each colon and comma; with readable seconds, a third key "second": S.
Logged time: {"hour": 7, "minute": 1}
